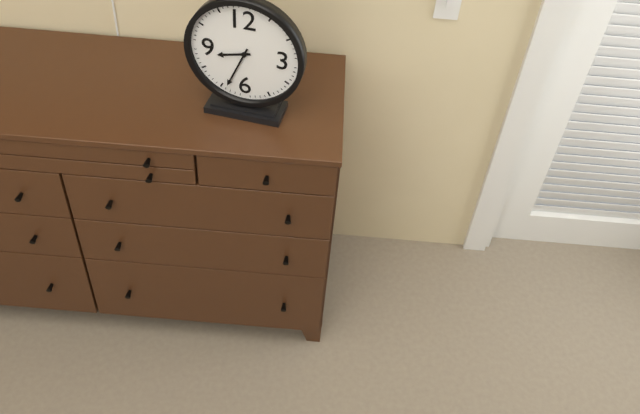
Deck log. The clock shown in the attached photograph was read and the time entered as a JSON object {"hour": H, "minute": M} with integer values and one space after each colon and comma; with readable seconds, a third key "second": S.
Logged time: {"hour": 8, "minute": 34}
